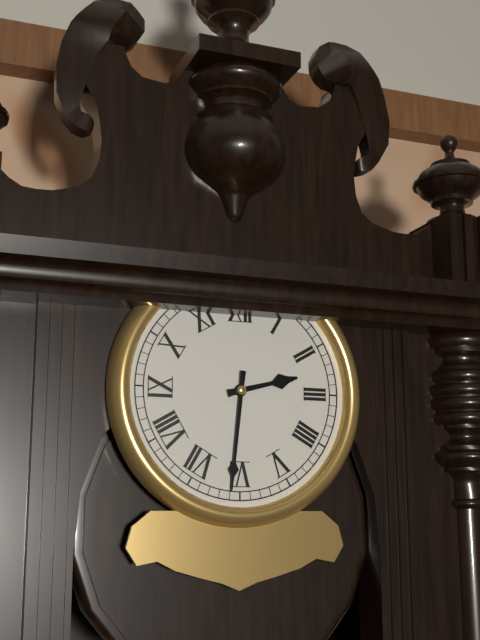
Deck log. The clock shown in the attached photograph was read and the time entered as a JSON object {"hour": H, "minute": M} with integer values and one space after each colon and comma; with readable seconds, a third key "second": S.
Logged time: {"hour": 2, "minute": 31}
